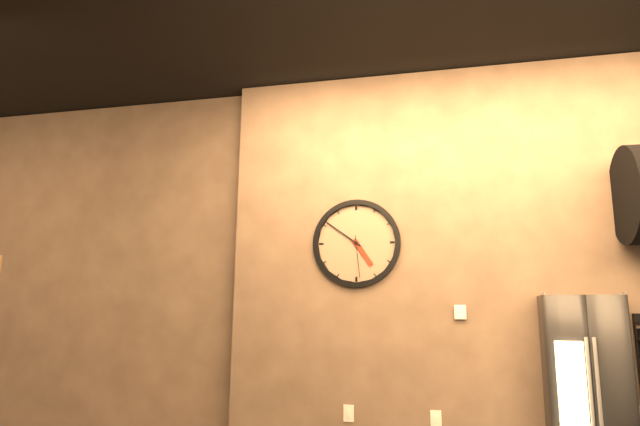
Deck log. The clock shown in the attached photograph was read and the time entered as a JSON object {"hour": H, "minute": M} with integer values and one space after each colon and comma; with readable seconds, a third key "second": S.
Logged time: {"hour": 4, "minute": 51}
